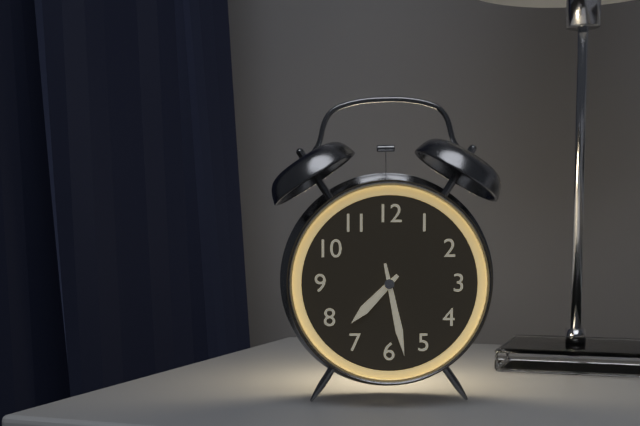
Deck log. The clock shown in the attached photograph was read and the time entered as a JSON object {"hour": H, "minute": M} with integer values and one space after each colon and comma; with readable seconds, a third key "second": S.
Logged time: {"hour": 7, "minute": 28}
